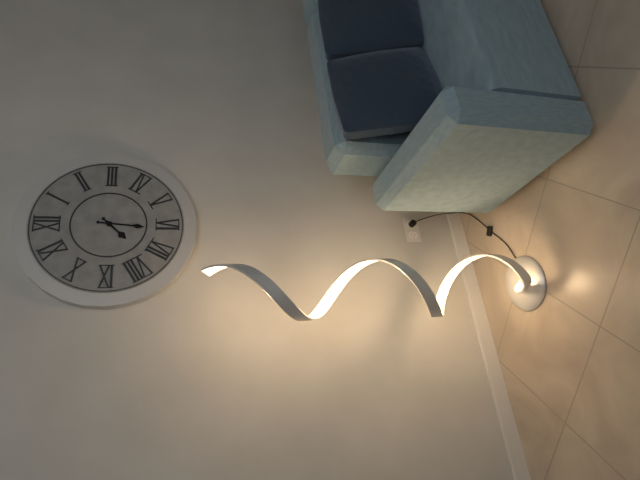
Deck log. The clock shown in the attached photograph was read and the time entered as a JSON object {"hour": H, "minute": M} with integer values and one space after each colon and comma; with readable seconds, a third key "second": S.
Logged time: {"hour": 7, "minute": 31}
